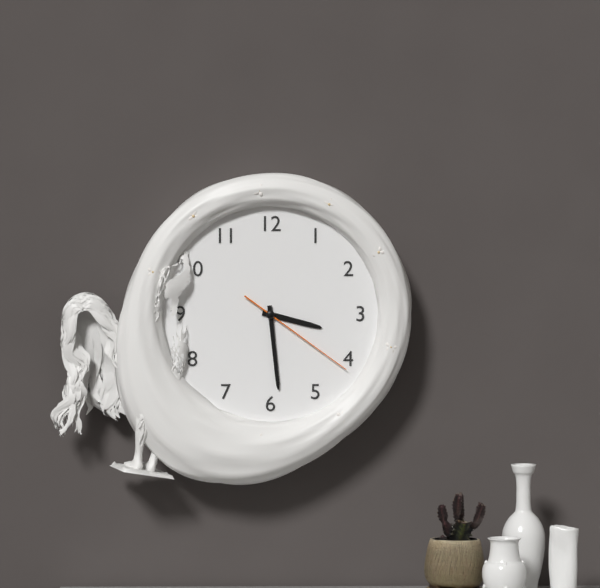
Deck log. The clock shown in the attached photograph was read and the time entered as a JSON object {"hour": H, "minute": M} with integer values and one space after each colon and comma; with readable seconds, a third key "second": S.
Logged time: {"hour": 3, "minute": 29, "second": 21}
